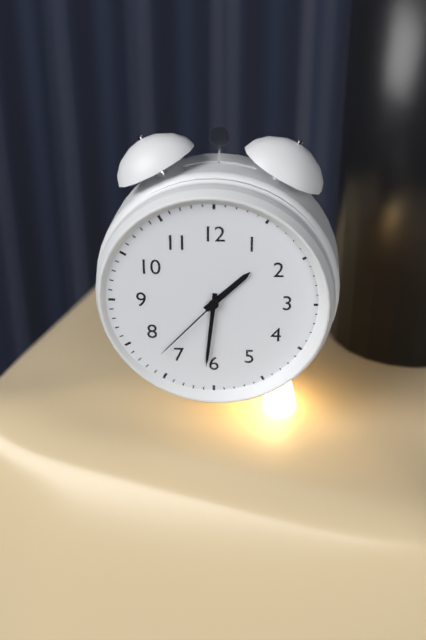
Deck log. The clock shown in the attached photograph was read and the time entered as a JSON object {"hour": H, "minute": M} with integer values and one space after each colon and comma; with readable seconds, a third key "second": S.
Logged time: {"hour": 1, "minute": 31, "second": 37}
